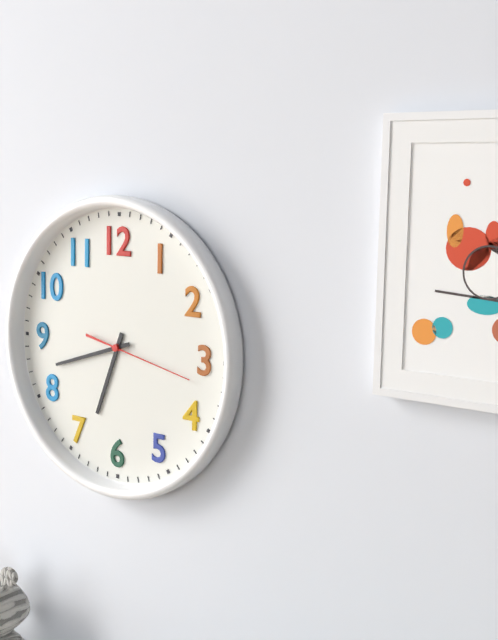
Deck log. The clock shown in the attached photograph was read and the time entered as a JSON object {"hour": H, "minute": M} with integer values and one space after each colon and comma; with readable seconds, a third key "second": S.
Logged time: {"hour": 6, "minute": 42, "second": 17}
